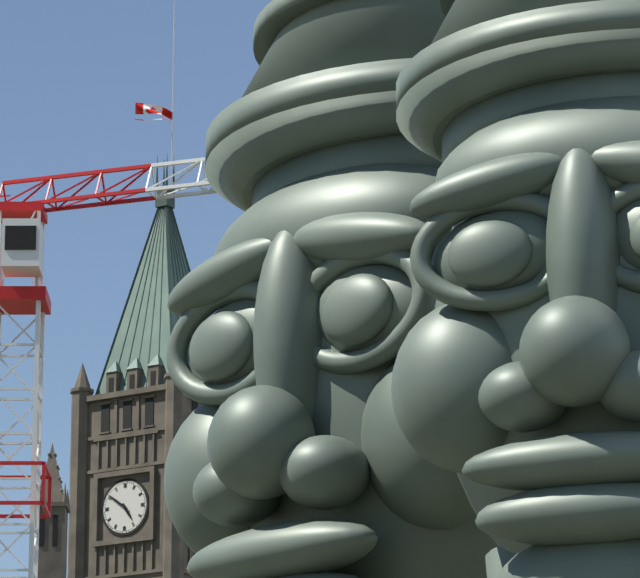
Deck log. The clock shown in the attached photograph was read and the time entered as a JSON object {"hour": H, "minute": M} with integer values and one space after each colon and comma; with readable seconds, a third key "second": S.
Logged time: {"hour": 4, "minute": 51}
